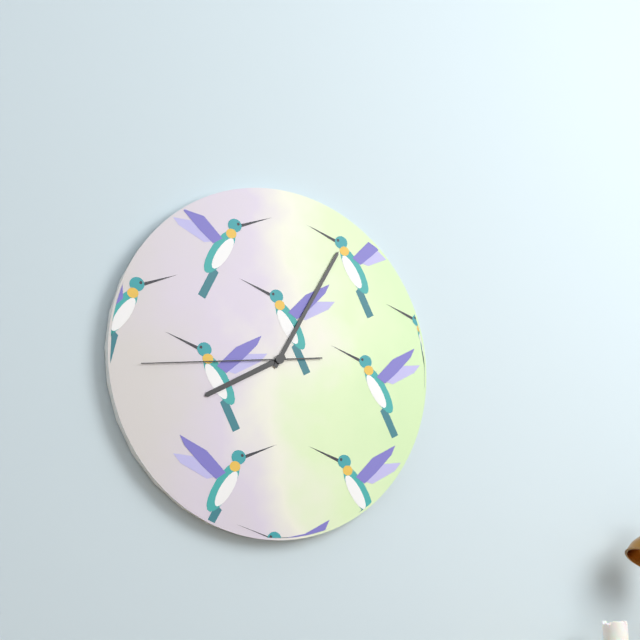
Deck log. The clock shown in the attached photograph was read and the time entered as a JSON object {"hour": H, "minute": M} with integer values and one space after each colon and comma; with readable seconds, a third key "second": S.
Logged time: {"hour": 8, "minute": 5, "second": 44}
